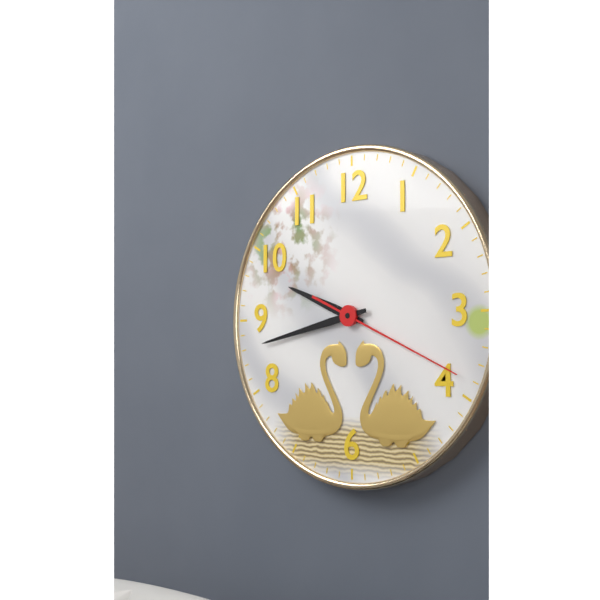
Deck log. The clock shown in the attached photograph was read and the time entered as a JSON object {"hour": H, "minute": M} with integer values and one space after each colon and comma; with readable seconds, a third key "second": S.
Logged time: {"hour": 9, "minute": 43, "second": 19}
